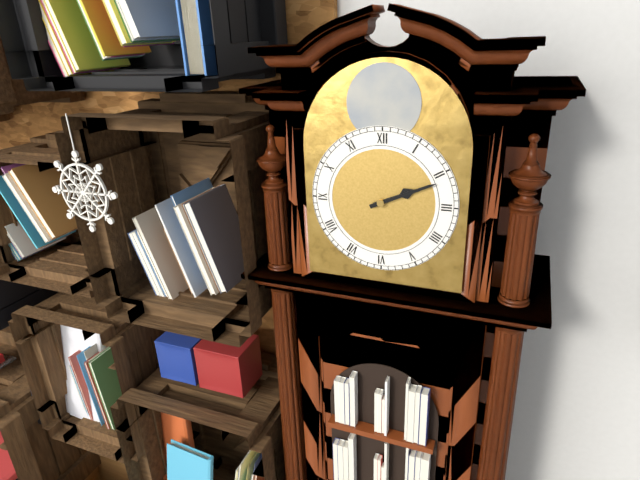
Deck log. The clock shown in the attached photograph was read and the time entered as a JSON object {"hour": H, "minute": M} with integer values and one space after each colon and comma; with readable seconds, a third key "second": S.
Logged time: {"hour": 2, "minute": 11}
